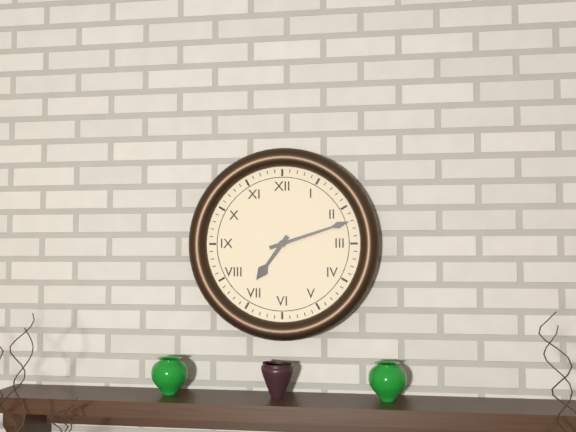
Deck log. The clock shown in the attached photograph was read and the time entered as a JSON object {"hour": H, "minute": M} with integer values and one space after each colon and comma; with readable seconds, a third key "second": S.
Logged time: {"hour": 7, "minute": 12}
